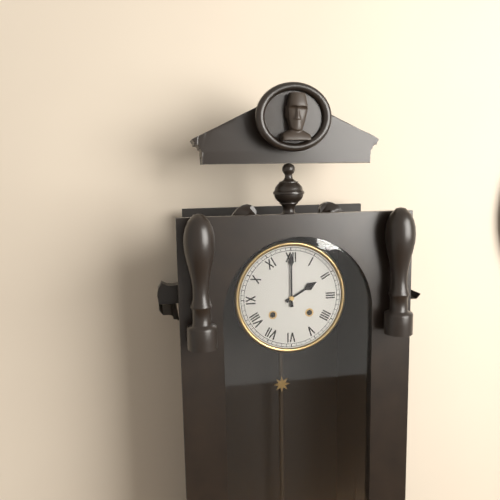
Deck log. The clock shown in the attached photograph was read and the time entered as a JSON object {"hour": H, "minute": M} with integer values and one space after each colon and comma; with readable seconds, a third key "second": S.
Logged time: {"hour": 2, "minute": 0}
